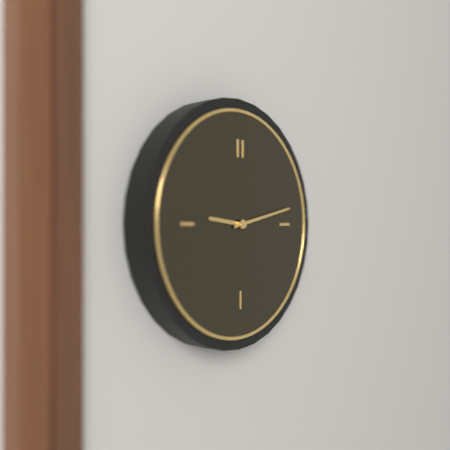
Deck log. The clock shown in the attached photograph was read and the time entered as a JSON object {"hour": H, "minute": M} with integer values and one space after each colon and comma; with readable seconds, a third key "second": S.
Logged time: {"hour": 9, "minute": 13}
